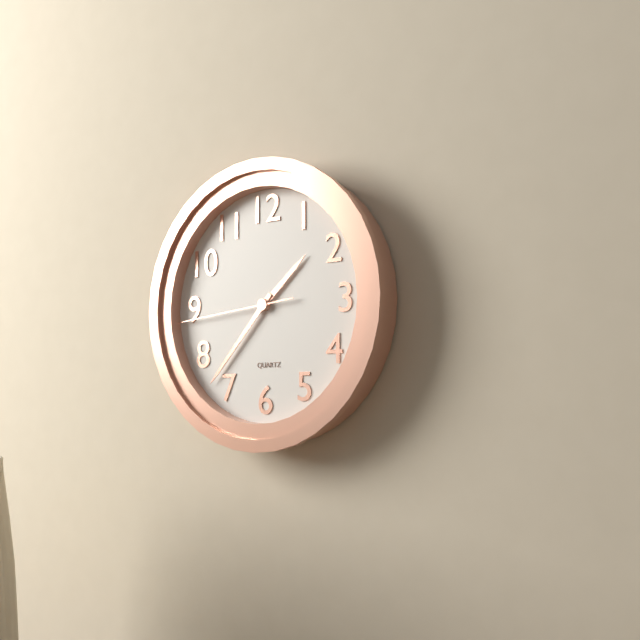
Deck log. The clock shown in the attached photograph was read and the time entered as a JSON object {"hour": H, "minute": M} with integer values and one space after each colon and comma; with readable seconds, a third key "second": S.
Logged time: {"hour": 1, "minute": 37, "second": 44}
